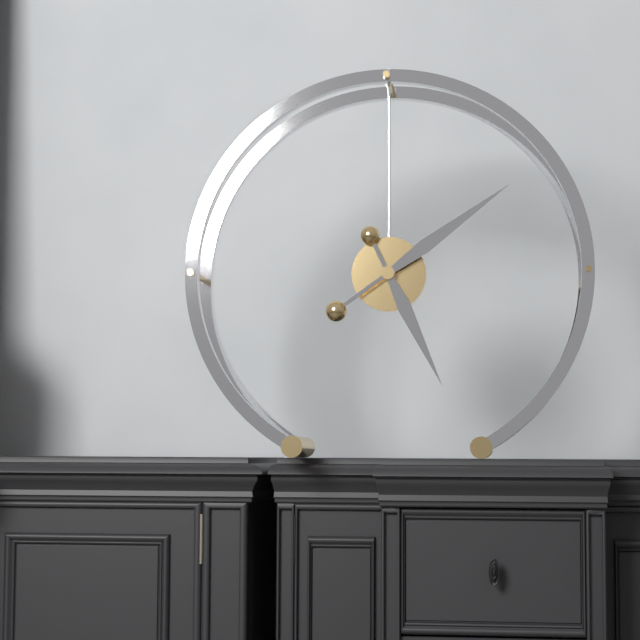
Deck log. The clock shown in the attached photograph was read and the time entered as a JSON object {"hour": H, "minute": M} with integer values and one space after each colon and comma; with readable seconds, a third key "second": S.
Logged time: {"hour": 5, "minute": 9}
